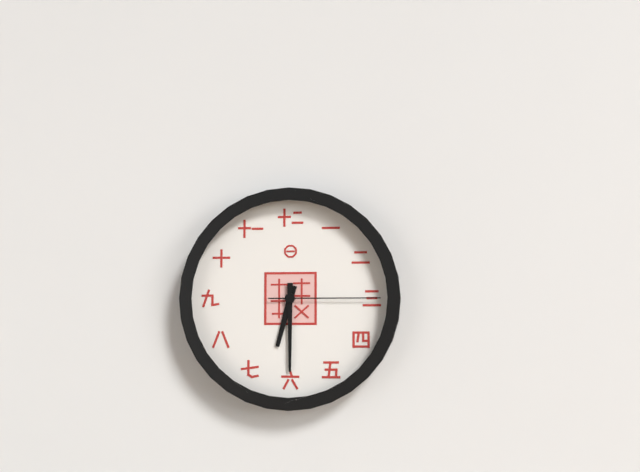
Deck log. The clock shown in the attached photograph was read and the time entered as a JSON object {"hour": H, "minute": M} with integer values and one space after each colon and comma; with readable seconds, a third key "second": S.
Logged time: {"hour": 6, "minute": 30, "second": 15}
